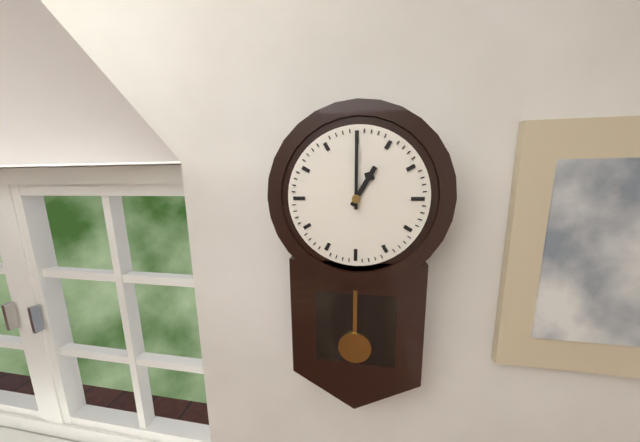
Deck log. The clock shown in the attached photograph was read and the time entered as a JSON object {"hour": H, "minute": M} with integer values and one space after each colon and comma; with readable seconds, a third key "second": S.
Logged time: {"hour": 1, "minute": 0}
